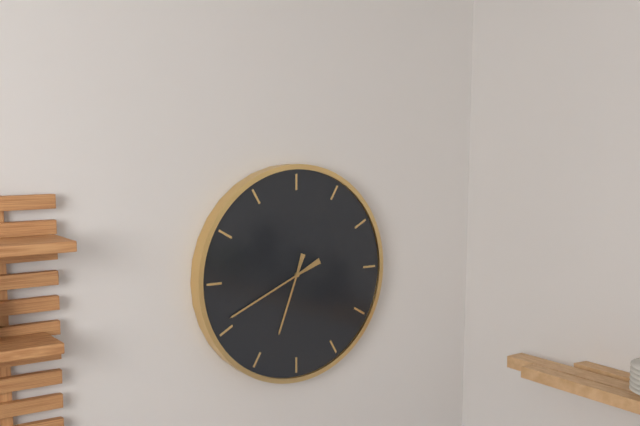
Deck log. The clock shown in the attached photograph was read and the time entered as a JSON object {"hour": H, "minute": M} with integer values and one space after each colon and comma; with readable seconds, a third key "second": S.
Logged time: {"hour": 6, "minute": 41}
